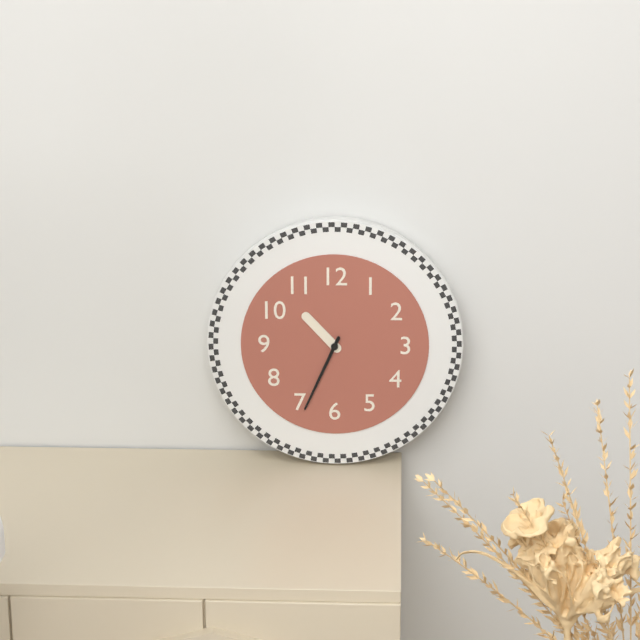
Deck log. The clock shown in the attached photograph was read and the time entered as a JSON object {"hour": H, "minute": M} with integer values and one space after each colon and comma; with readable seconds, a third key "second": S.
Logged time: {"hour": 10, "minute": 34}
